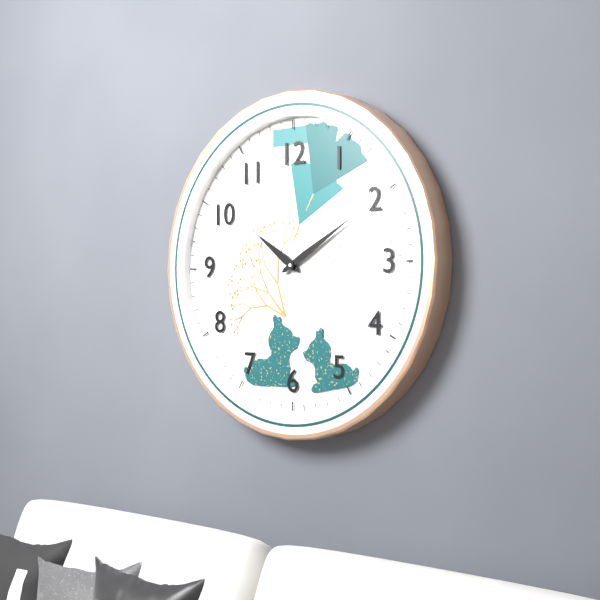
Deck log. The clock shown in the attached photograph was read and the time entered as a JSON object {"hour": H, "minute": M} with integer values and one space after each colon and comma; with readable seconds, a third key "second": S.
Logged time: {"hour": 10, "minute": 10}
